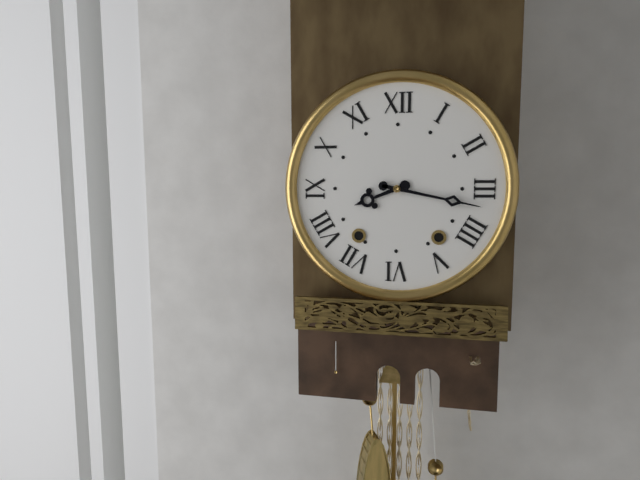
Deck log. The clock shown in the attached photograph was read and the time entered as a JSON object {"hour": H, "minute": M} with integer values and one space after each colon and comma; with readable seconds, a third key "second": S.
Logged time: {"hour": 8, "minute": 17}
